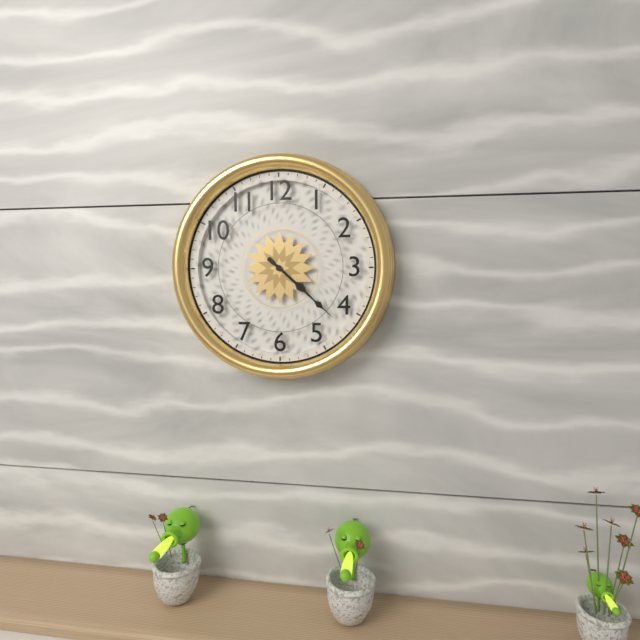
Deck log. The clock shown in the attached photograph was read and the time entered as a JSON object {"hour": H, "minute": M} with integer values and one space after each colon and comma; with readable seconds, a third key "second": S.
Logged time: {"hour": 4, "minute": 22}
